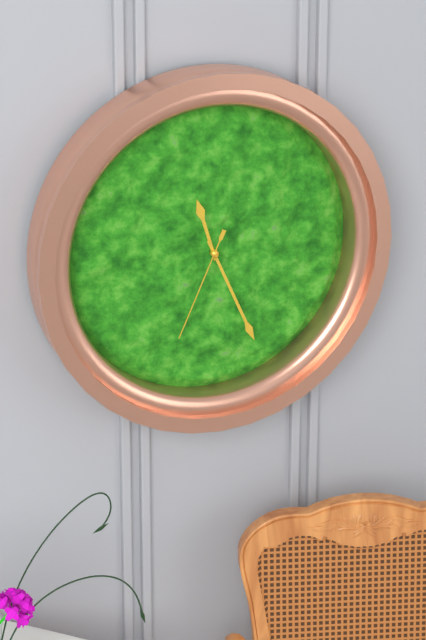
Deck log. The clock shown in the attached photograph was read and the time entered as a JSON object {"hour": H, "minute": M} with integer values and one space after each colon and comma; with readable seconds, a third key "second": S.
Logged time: {"hour": 11, "minute": 26, "second": 34}
